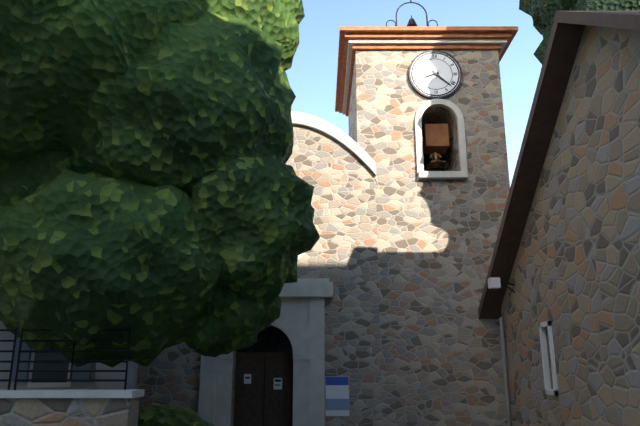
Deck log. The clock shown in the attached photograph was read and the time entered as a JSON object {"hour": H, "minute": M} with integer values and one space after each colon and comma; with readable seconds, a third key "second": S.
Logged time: {"hour": 8, "minute": 22}
